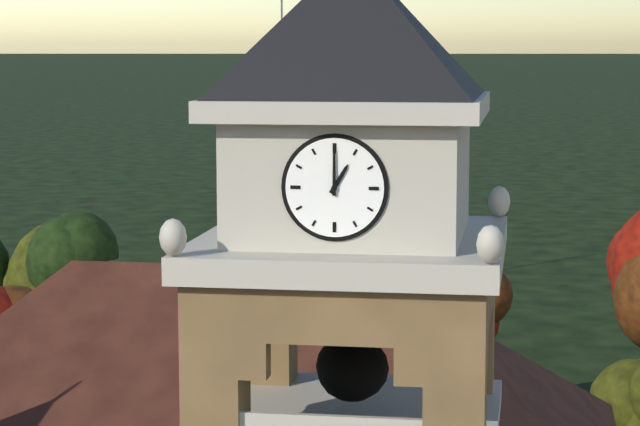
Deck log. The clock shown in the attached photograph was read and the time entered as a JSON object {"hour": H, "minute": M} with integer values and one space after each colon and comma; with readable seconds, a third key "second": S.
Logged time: {"hour": 1, "minute": 0}
